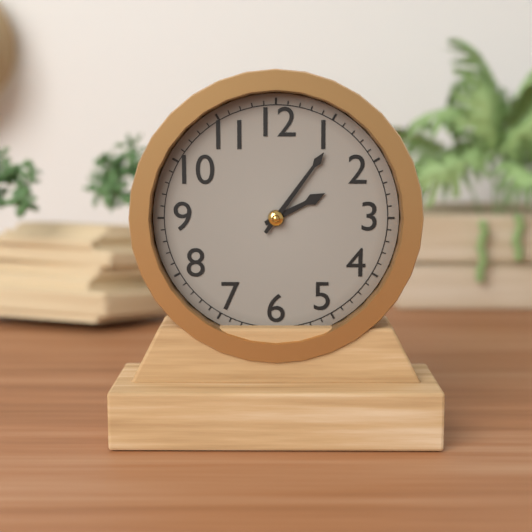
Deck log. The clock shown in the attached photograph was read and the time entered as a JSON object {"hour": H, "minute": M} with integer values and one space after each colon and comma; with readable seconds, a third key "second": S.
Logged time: {"hour": 2, "minute": 6}
